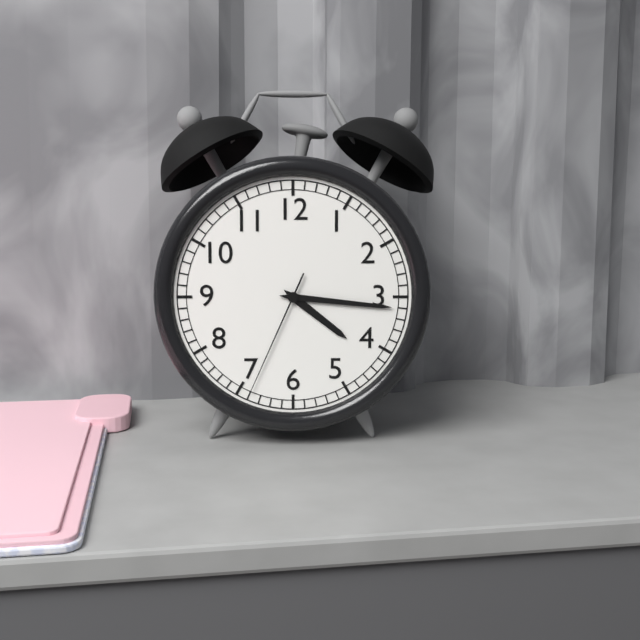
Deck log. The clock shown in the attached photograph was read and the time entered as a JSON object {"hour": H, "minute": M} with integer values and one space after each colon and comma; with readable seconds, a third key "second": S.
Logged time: {"hour": 4, "minute": 16, "second": 34}
